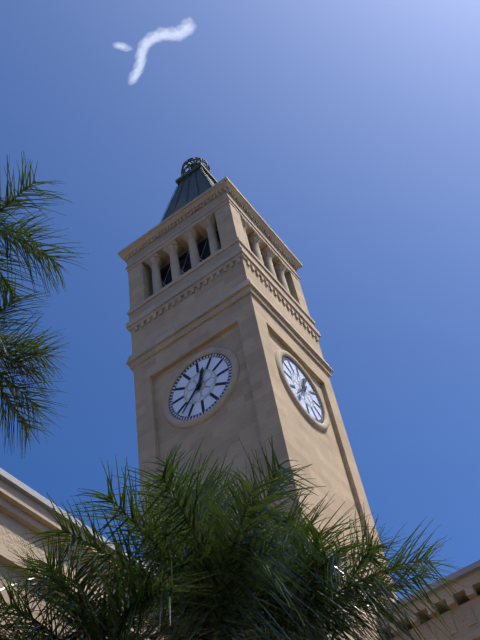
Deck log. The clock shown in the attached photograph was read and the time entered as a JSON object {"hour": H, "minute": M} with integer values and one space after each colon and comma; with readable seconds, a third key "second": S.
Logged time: {"hour": 12, "minute": 37}
